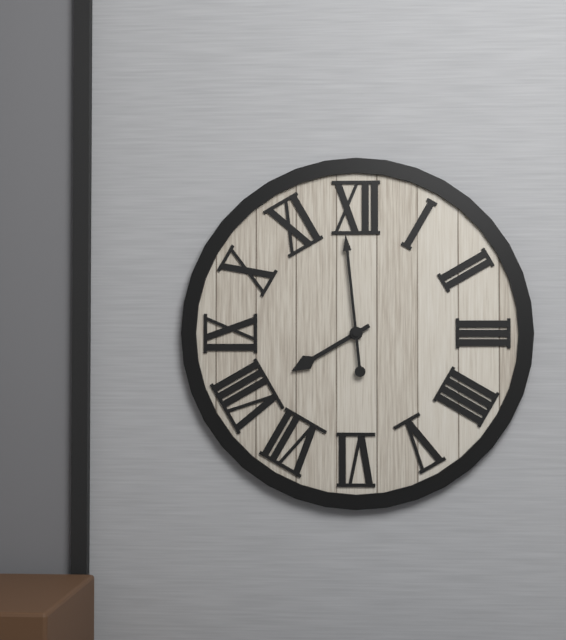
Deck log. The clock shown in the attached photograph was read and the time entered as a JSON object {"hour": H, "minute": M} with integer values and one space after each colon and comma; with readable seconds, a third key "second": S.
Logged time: {"hour": 7, "minute": 59}
